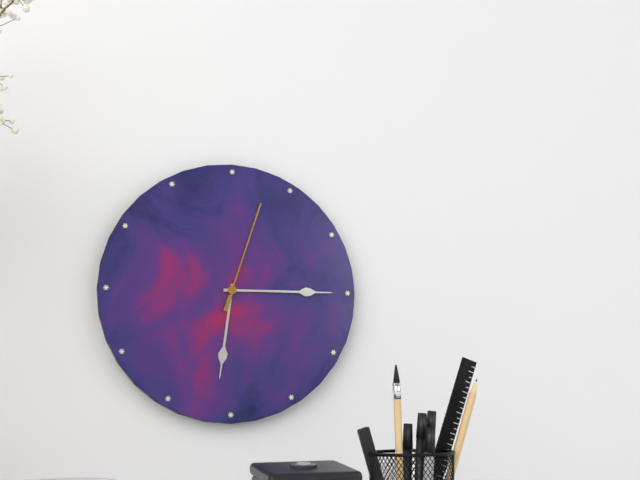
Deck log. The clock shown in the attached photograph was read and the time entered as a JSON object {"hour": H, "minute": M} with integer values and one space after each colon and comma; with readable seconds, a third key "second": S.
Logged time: {"hour": 6, "minute": 15, "second": 3}
